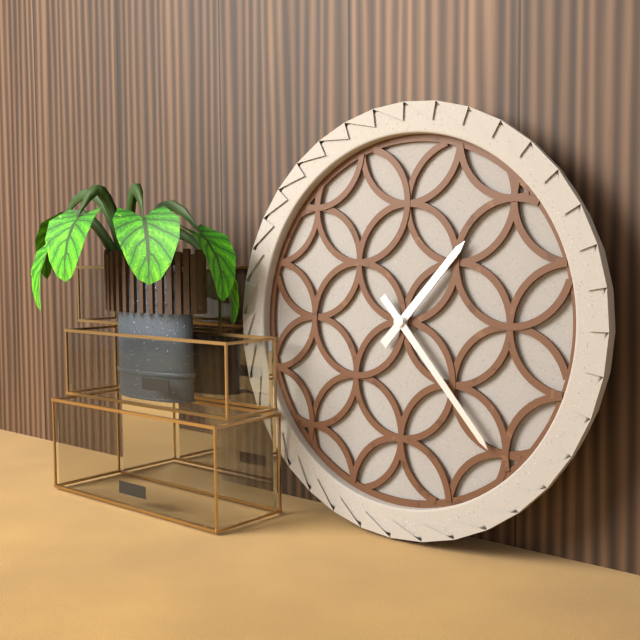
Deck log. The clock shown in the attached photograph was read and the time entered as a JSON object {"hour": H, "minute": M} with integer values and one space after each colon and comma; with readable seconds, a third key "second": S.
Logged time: {"hour": 1, "minute": 23}
